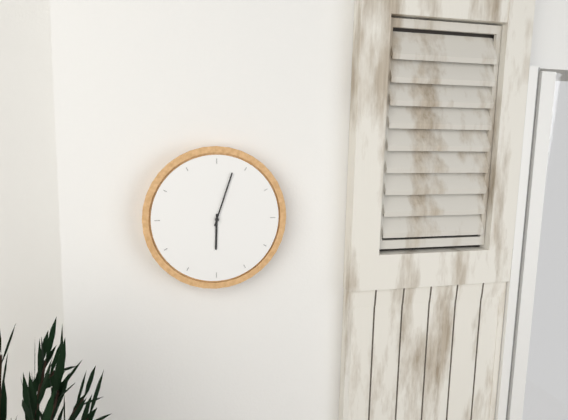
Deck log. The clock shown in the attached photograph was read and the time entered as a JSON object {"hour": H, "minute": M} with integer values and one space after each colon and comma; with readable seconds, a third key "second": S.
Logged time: {"hour": 6, "minute": 3}
